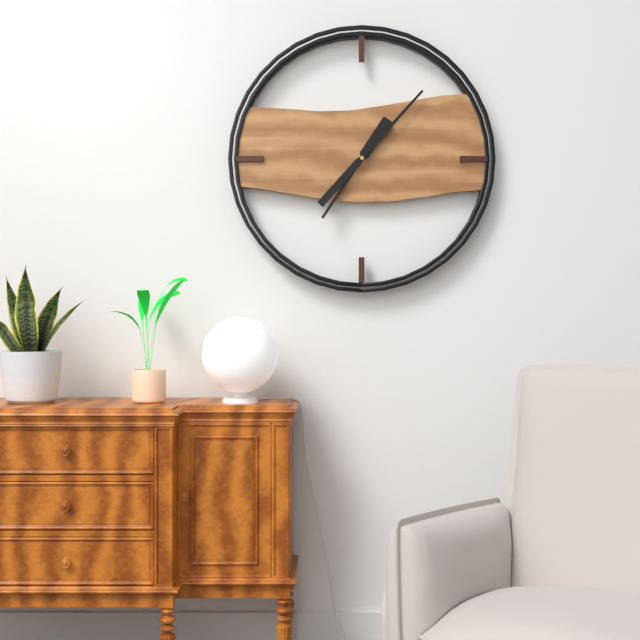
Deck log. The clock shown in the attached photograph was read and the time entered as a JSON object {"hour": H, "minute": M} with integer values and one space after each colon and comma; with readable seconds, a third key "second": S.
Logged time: {"hour": 7, "minute": 7}
